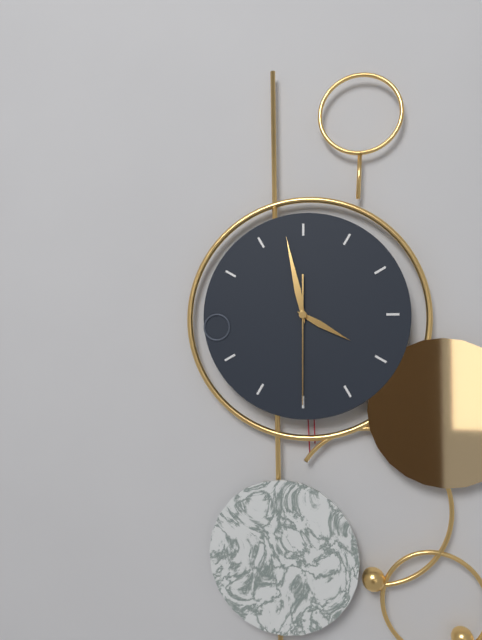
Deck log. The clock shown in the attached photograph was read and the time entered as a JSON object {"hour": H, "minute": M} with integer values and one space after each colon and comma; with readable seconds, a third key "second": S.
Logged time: {"hour": 3, "minute": 58, "second": 30}
